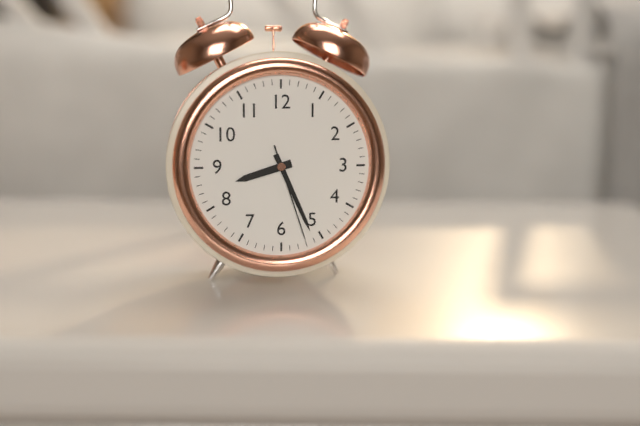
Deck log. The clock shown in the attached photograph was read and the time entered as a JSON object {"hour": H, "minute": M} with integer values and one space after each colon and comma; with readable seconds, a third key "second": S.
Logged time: {"hour": 8, "minute": 26, "second": 27}
